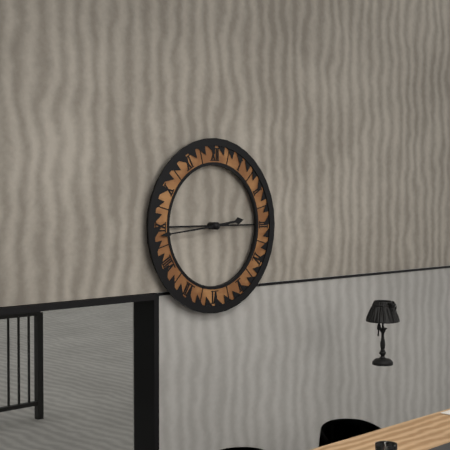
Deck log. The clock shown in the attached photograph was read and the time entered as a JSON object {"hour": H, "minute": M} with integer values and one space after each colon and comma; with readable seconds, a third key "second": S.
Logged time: {"hour": 2, "minute": 44}
